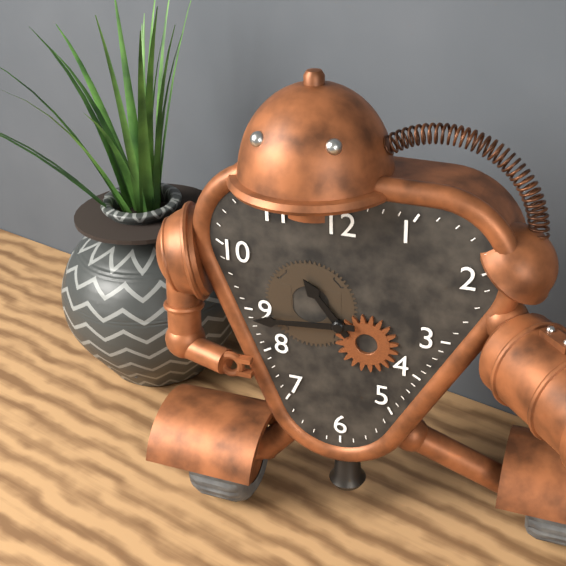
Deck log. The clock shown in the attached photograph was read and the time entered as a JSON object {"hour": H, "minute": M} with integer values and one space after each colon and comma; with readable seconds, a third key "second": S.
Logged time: {"hour": 10, "minute": 44}
